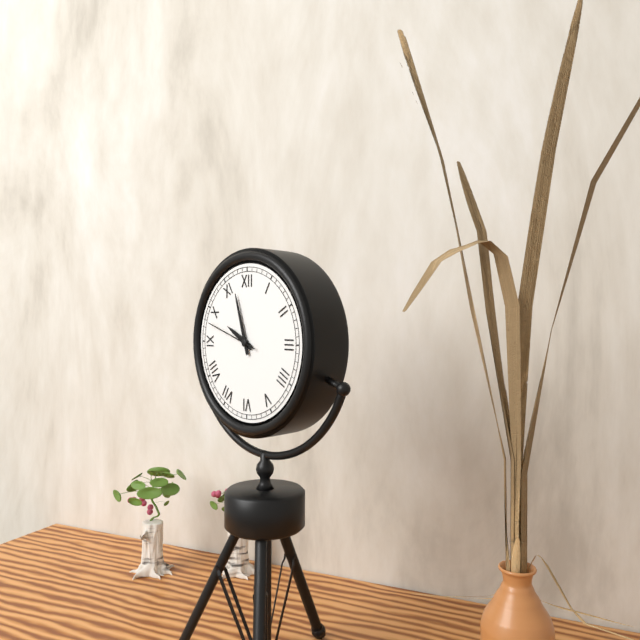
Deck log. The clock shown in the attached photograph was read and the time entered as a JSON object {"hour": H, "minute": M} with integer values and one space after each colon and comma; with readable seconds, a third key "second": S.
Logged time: {"hour": 9, "minute": 57, "second": 48}
